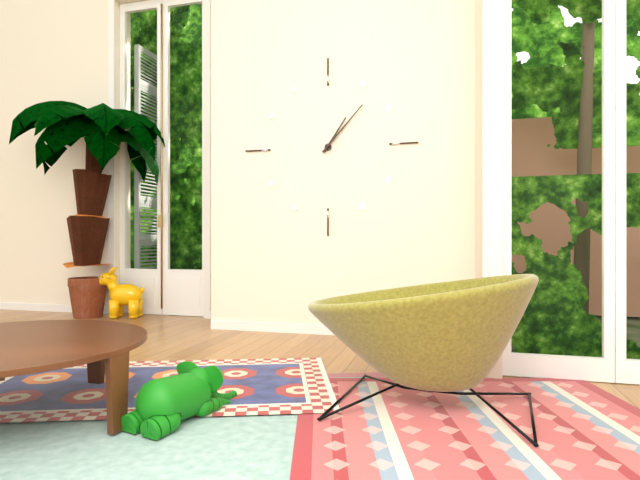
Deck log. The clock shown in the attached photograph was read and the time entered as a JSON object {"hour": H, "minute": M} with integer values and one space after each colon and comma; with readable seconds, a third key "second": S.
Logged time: {"hour": 1, "minute": 7}
